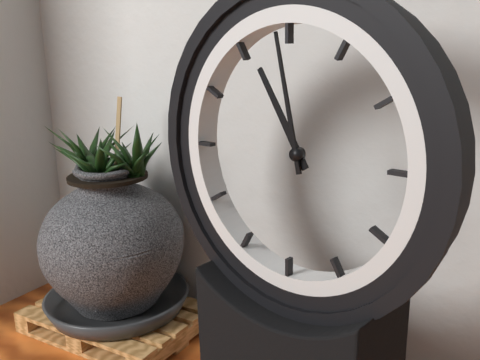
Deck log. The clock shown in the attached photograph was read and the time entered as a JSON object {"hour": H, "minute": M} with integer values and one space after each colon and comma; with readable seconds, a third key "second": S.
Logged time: {"hour": 10, "minute": 58}
